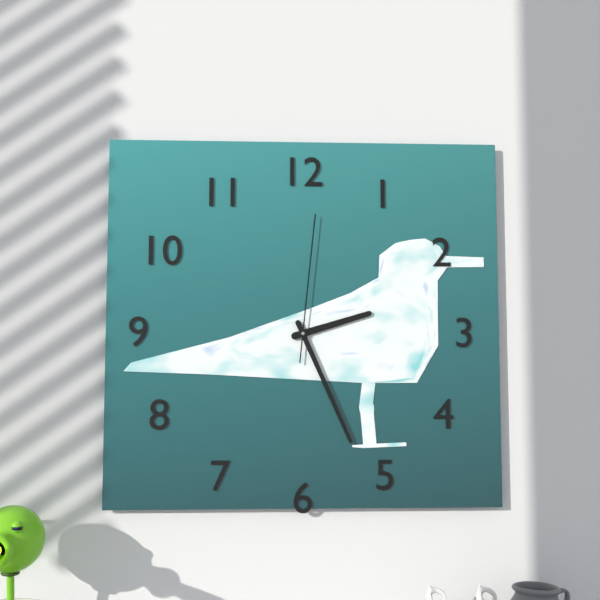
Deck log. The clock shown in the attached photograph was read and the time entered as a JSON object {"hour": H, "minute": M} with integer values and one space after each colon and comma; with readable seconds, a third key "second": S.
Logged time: {"hour": 2, "minute": 26, "second": 1}
